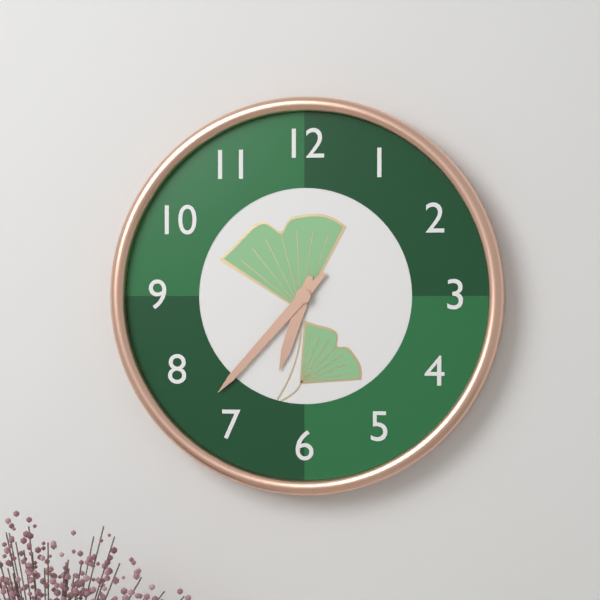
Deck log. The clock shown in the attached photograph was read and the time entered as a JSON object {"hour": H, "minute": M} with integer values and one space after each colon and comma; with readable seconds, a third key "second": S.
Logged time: {"hour": 6, "minute": 37}
